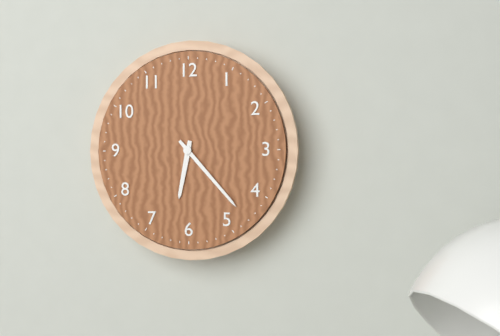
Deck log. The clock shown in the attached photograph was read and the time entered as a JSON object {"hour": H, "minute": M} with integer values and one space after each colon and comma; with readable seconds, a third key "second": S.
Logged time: {"hour": 6, "minute": 23}
